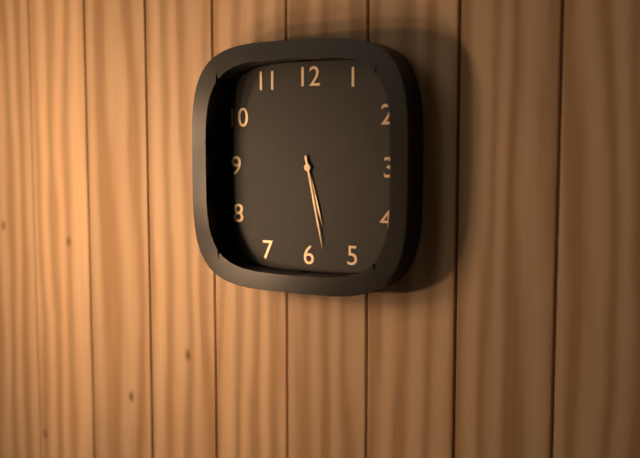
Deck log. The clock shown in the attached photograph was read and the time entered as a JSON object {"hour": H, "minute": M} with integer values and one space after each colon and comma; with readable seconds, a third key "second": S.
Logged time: {"hour": 5, "minute": 28}
